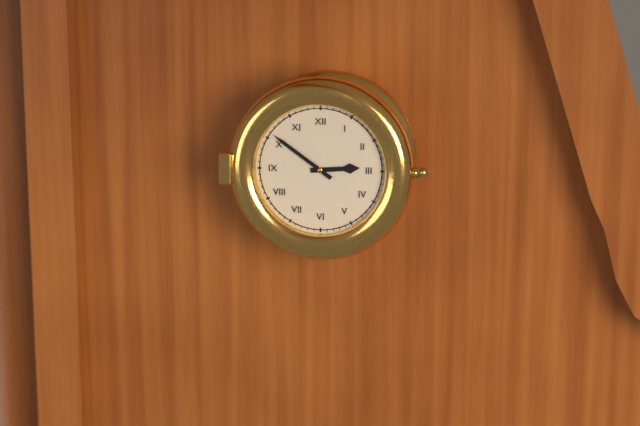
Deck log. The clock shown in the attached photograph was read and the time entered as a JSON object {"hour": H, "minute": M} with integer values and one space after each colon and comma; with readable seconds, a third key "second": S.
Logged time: {"hour": 2, "minute": 51}
